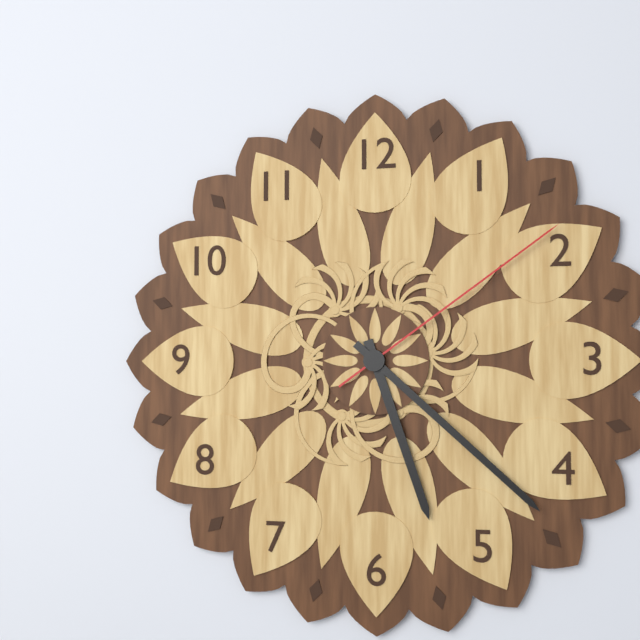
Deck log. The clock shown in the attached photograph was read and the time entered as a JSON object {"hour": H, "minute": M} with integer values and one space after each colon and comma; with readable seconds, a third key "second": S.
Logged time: {"hour": 5, "minute": 22, "second": 9}
